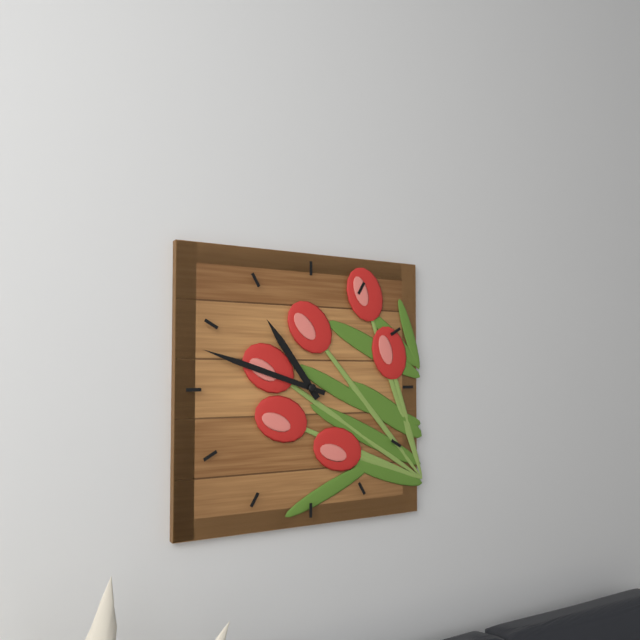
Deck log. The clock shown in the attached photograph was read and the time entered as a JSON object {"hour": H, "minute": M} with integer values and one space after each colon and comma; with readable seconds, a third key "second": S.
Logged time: {"hour": 10, "minute": 48}
